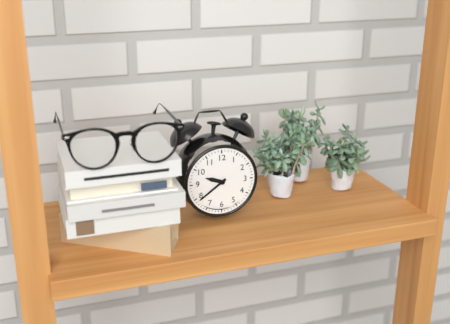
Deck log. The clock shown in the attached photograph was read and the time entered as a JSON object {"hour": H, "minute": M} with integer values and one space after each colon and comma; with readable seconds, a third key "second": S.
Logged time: {"hour": 9, "minute": 39}
